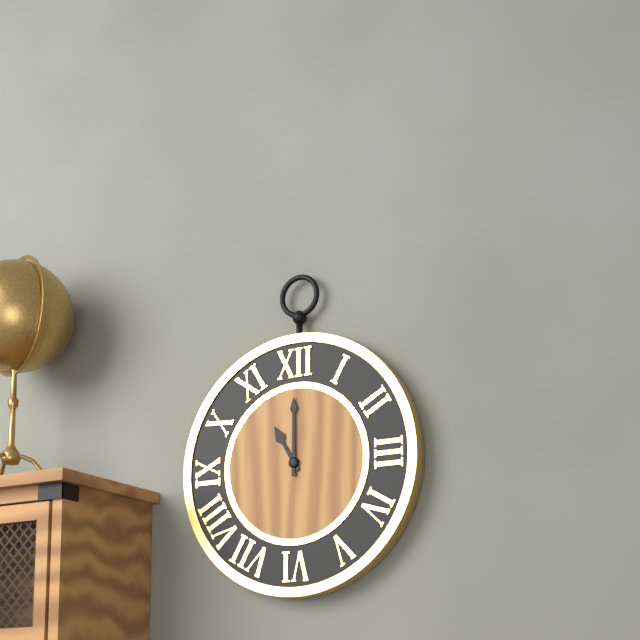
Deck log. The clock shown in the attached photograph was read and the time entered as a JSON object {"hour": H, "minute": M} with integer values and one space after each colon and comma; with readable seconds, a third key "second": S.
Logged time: {"hour": 11, "minute": 0}
